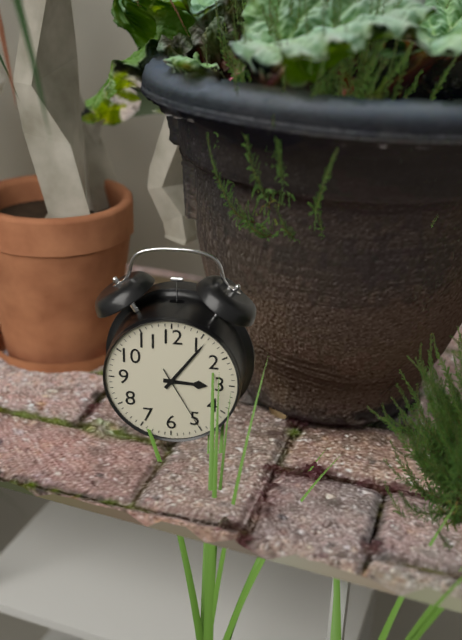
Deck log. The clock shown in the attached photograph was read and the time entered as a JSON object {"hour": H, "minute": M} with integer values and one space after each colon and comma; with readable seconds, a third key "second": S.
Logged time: {"hour": 3, "minute": 6, "second": 25}
